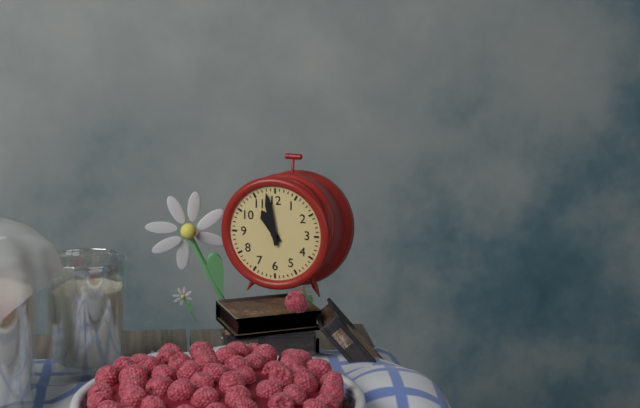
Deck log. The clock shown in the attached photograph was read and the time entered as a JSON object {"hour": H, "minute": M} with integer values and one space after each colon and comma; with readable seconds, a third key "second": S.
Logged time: {"hour": 10, "minute": 58}
